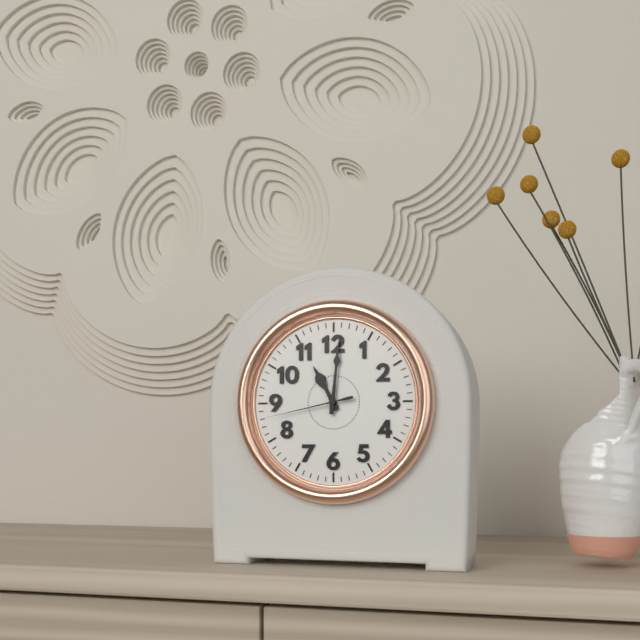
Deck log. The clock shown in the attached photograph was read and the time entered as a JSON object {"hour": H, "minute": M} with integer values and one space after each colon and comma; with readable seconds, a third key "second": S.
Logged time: {"hour": 11, "minute": 1, "second": 43}
